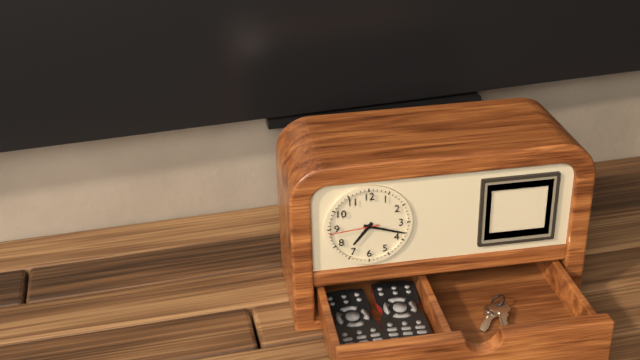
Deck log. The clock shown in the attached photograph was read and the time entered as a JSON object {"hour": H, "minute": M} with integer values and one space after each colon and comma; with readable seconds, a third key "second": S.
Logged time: {"hour": 7, "minute": 18, "second": 44}
